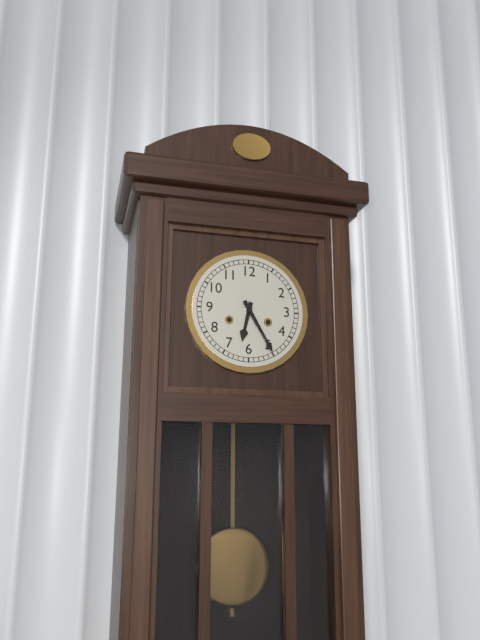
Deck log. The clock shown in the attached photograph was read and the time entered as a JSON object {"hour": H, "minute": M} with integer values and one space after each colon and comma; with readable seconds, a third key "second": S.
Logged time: {"hour": 6, "minute": 25}
